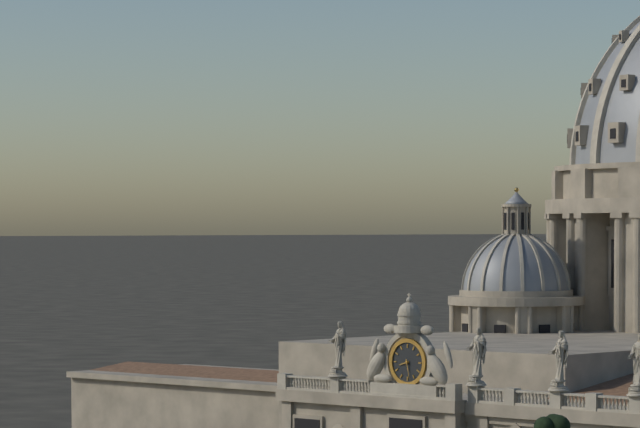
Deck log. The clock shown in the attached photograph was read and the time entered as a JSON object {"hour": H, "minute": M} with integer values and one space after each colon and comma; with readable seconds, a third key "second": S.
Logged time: {"hour": 8, "minute": 28}
